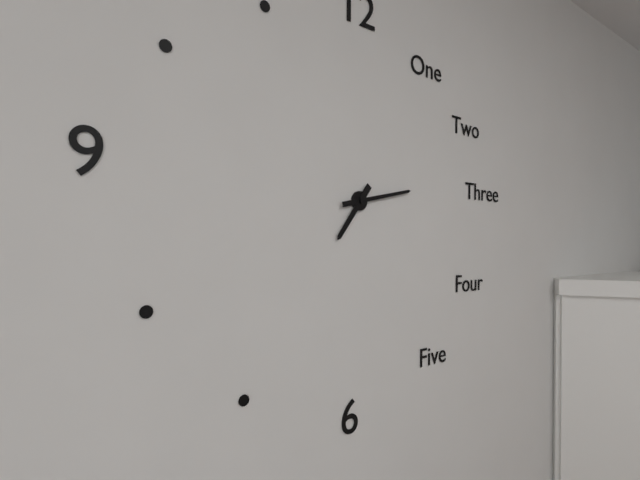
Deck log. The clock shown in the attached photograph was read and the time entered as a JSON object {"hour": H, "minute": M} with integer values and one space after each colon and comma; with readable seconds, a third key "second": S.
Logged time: {"hour": 7, "minute": 13}
